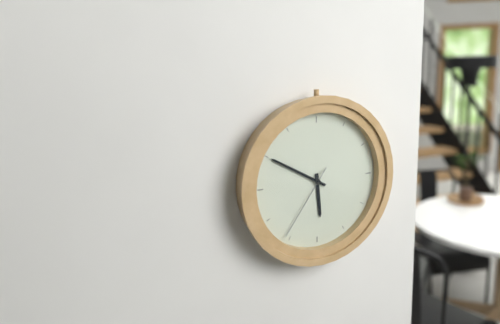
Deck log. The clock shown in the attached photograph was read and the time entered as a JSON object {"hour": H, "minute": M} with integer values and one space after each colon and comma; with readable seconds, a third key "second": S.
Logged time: {"hour": 5, "minute": 50, "second": 36}
